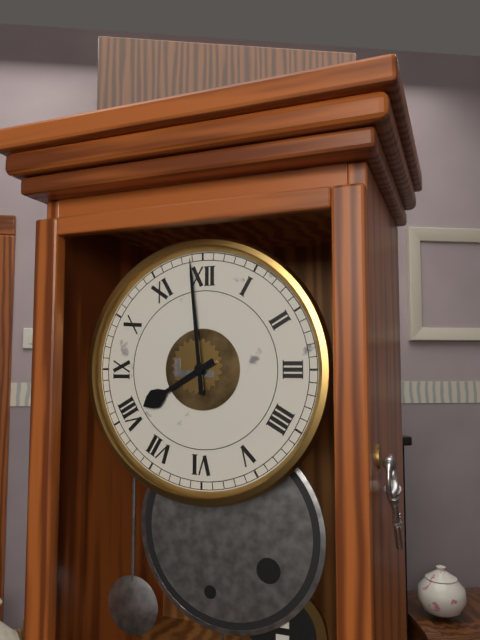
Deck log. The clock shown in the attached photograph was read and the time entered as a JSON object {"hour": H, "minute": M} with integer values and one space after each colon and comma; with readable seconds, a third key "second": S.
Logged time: {"hour": 7, "minute": 59}
